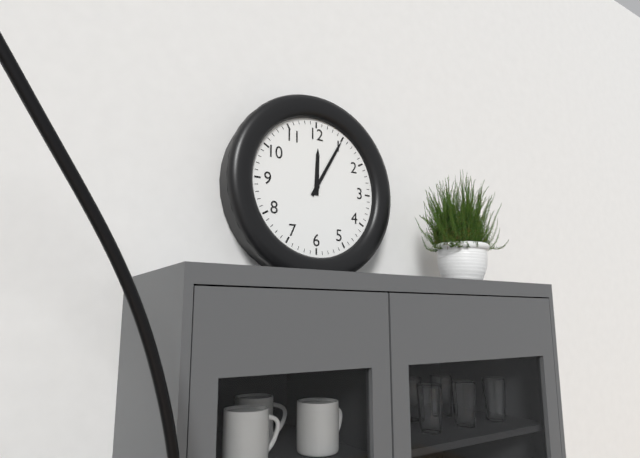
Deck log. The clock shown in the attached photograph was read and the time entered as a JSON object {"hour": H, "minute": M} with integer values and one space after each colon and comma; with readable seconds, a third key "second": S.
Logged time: {"hour": 12, "minute": 5}
